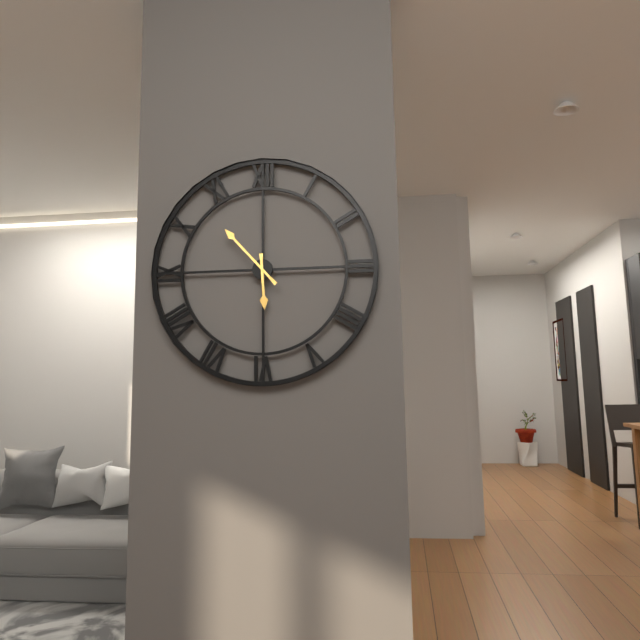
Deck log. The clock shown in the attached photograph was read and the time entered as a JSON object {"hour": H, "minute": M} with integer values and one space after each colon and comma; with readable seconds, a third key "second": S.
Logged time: {"hour": 5, "minute": 53}
